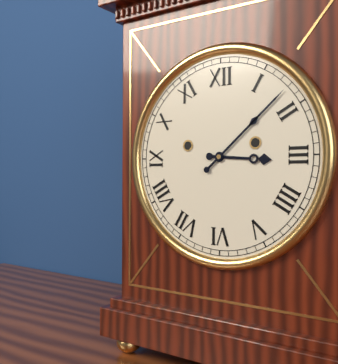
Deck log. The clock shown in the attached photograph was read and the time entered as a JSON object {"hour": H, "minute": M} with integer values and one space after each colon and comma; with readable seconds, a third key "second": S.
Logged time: {"hour": 3, "minute": 8}
